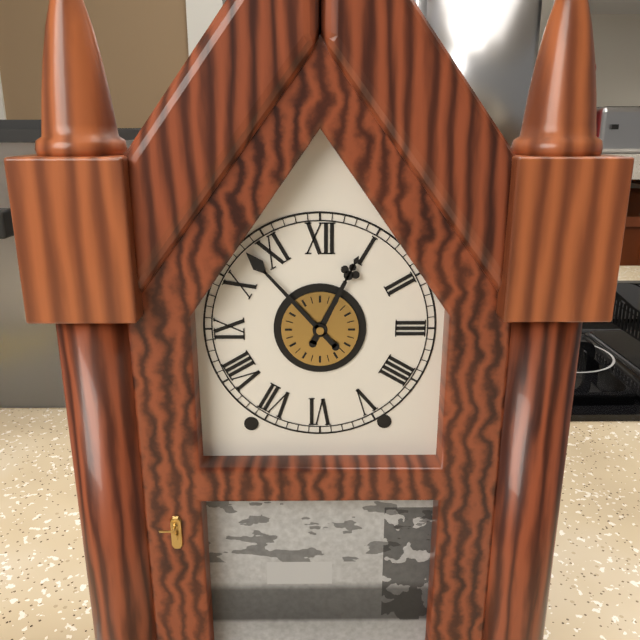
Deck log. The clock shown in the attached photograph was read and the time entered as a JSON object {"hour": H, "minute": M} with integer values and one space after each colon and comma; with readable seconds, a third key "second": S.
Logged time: {"hour": 12, "minute": 53}
